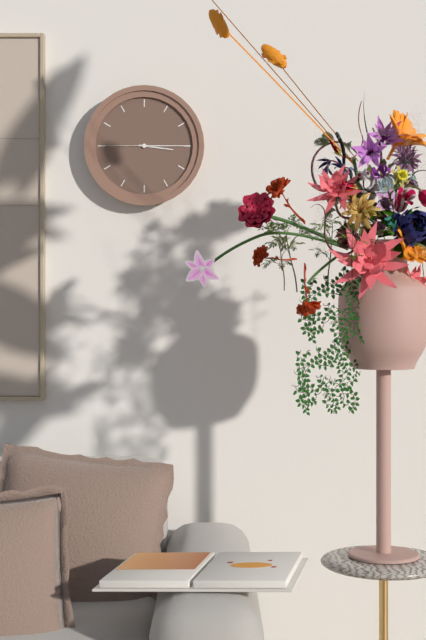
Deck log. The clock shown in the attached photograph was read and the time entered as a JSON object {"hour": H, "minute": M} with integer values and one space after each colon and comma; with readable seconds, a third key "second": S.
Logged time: {"hour": 3, "minute": 15, "second": 45}
